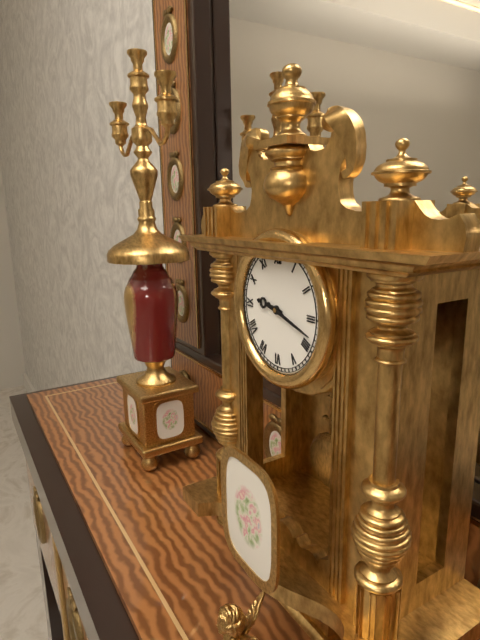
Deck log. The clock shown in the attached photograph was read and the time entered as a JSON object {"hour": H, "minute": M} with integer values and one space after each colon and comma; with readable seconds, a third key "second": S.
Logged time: {"hour": 9, "minute": 18}
